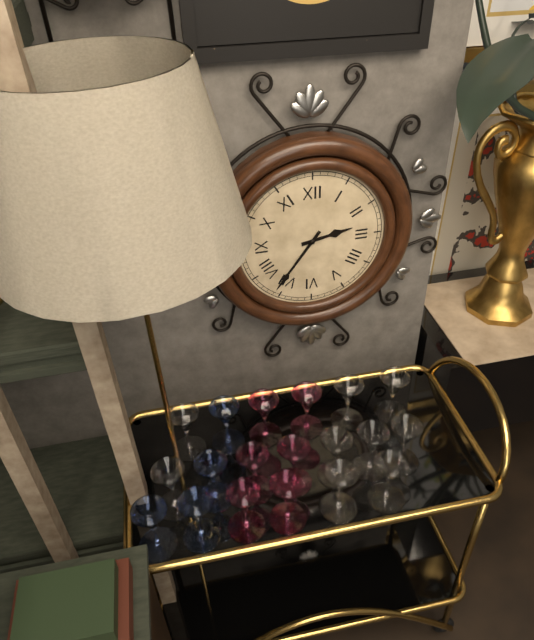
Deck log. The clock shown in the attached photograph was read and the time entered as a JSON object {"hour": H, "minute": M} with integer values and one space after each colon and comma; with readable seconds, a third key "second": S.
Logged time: {"hour": 2, "minute": 36}
